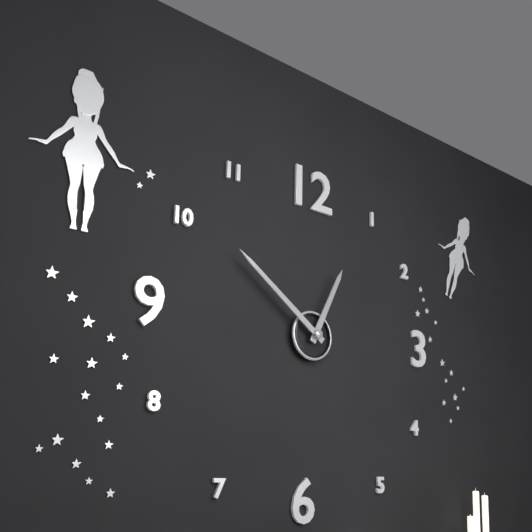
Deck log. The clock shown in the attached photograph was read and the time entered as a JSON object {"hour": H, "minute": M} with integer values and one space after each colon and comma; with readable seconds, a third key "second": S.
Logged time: {"hour": 12, "minute": 51}
